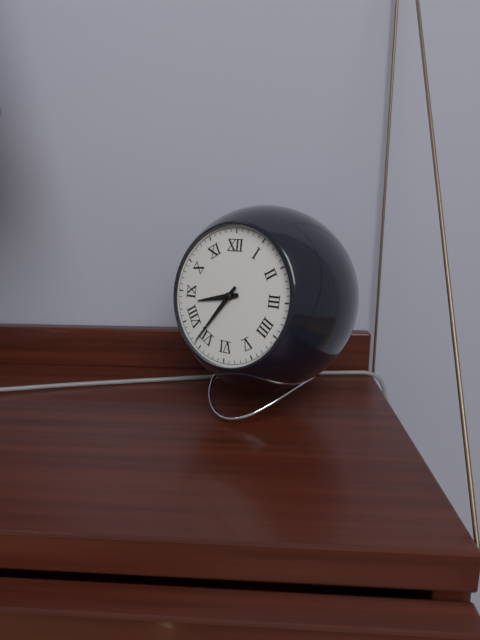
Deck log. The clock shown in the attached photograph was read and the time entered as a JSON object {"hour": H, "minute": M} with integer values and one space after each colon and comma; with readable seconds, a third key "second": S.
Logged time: {"hour": 8, "minute": 36}
